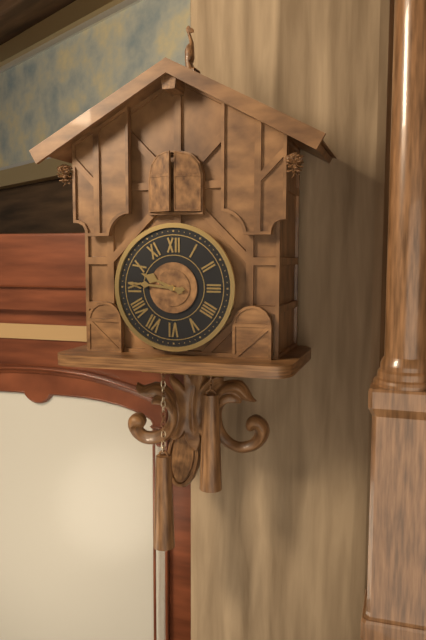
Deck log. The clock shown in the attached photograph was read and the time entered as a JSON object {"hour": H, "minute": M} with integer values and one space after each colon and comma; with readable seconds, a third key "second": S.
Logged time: {"hour": 9, "minute": 46}
